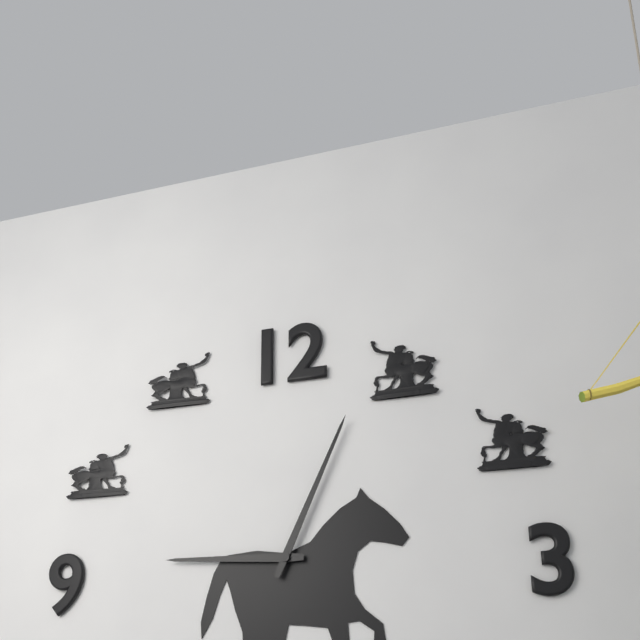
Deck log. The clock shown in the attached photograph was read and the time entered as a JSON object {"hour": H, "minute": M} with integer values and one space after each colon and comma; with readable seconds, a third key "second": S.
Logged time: {"hour": 9, "minute": 4}
